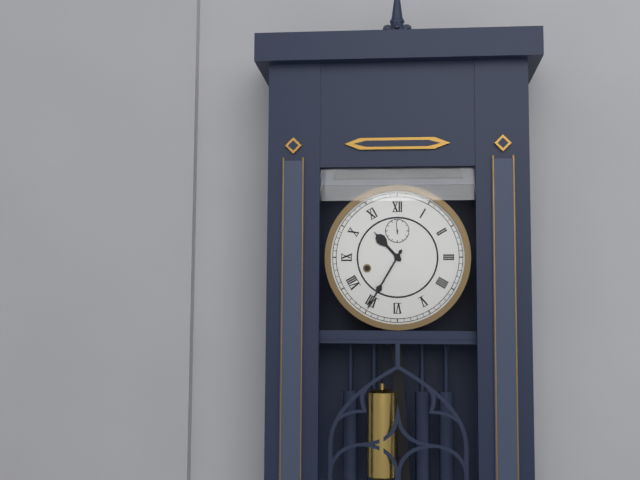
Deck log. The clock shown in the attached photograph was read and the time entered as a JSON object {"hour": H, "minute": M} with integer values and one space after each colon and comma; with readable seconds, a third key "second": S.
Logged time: {"hour": 10, "minute": 35}
